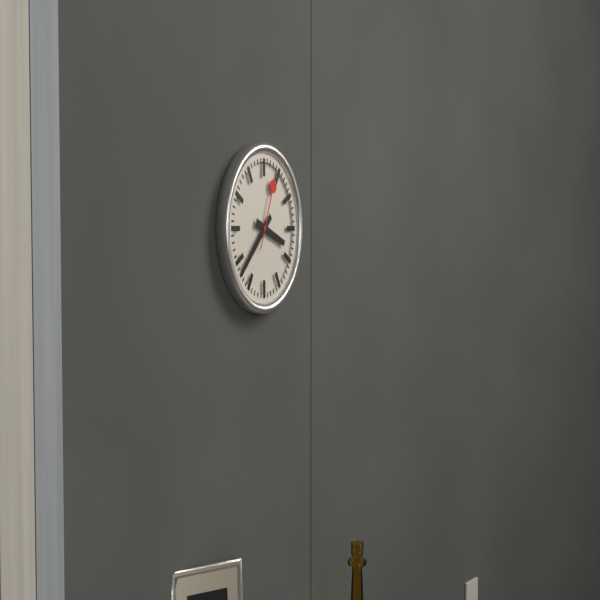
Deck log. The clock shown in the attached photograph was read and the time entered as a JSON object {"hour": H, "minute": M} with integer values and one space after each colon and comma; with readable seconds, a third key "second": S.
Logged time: {"hour": 3, "minute": 38, "second": 4}
